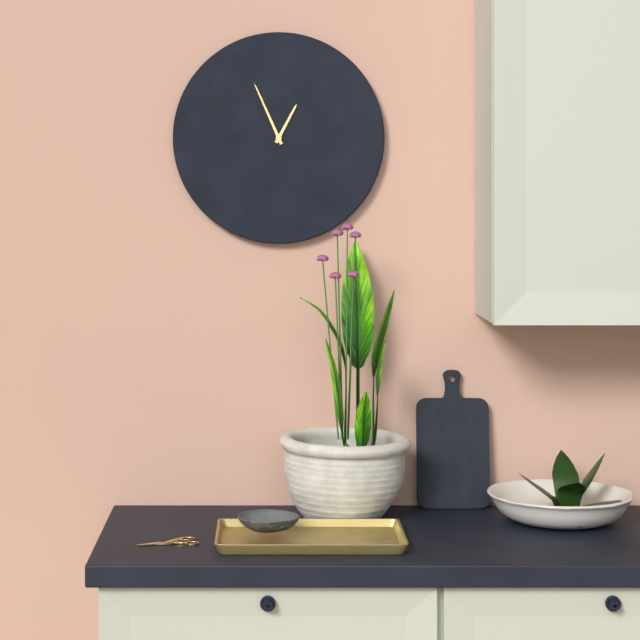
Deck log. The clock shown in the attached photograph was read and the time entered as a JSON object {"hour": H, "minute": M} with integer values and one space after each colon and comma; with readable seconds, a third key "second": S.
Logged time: {"hour": 12, "minute": 56}
